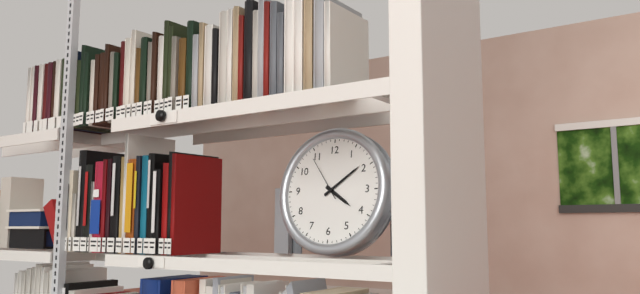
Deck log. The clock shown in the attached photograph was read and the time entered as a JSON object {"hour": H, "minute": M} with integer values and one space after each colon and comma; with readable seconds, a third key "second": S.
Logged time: {"hour": 4, "minute": 9}
